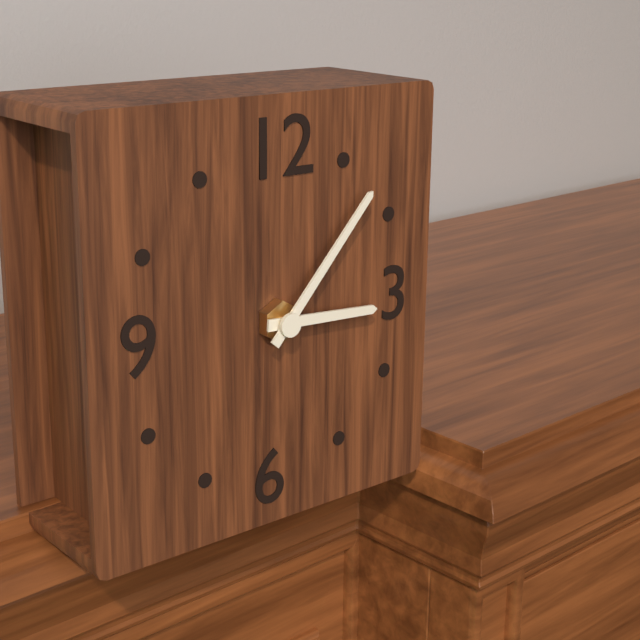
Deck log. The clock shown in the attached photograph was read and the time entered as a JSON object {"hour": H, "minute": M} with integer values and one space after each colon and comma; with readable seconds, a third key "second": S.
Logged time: {"hour": 3, "minute": 7}
